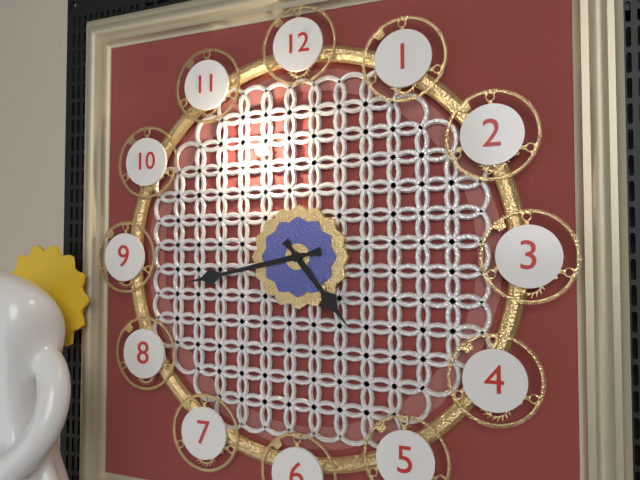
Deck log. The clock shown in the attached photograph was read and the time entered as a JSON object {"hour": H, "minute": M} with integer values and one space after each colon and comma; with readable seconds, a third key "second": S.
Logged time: {"hour": 4, "minute": 43}
